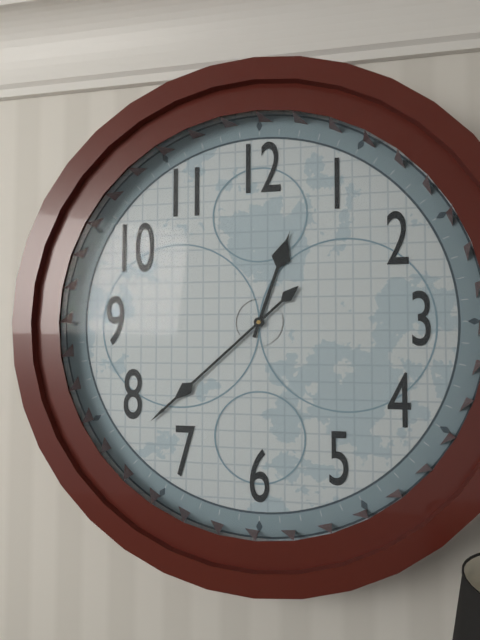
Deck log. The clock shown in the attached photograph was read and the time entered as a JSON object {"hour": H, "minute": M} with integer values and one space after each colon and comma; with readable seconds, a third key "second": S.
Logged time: {"hour": 12, "minute": 38}
